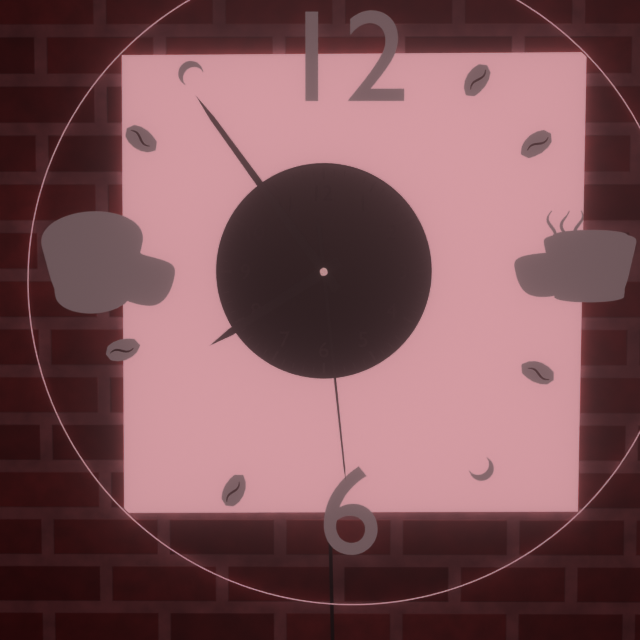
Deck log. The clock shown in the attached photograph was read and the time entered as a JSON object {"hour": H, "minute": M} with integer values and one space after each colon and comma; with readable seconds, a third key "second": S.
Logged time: {"hour": 7, "minute": 54, "second": 29}
